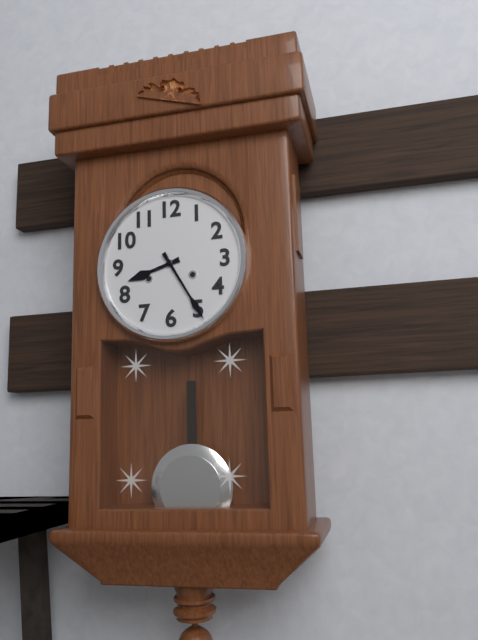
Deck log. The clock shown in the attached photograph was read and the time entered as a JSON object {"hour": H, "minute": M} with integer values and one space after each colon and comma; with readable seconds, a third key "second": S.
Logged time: {"hour": 8, "minute": 25}
